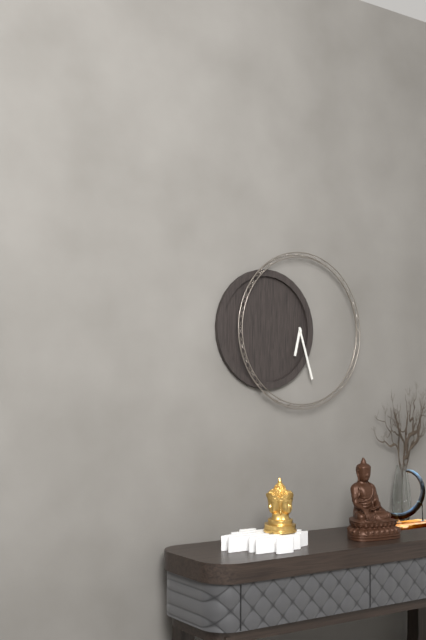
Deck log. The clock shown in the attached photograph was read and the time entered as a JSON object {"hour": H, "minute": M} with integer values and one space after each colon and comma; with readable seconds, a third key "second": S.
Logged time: {"hour": 6, "minute": 27}
